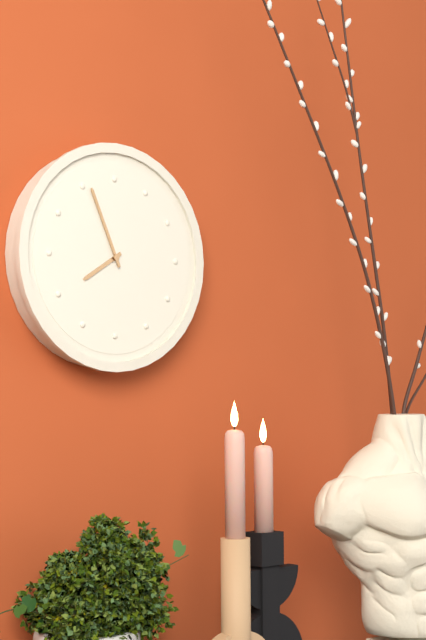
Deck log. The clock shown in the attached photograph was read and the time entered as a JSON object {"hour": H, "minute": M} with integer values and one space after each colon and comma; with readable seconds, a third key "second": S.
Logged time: {"hour": 7, "minute": 56}
